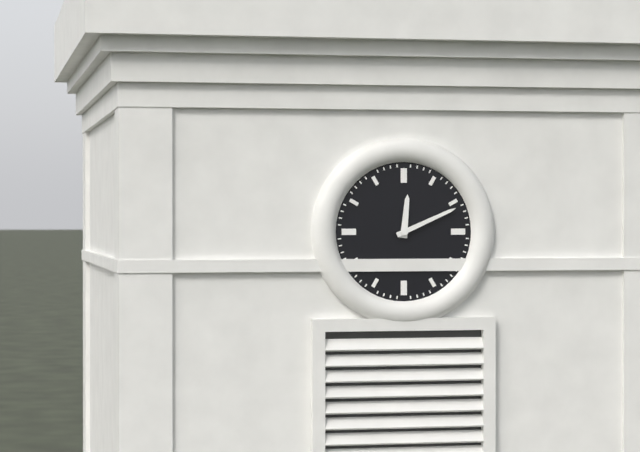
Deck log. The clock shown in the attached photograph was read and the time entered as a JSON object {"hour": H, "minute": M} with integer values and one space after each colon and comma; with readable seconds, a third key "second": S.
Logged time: {"hour": 12, "minute": 11}
